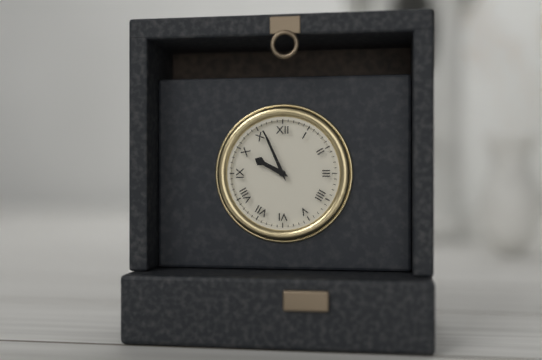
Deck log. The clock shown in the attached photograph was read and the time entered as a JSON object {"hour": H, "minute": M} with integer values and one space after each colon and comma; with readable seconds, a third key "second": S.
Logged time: {"hour": 9, "minute": 56}
